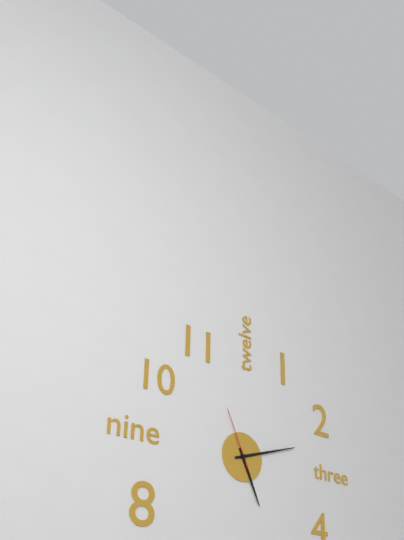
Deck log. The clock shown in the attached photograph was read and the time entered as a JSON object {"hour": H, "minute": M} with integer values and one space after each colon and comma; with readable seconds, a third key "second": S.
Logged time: {"hour": 5, "minute": 12, "second": 56}
